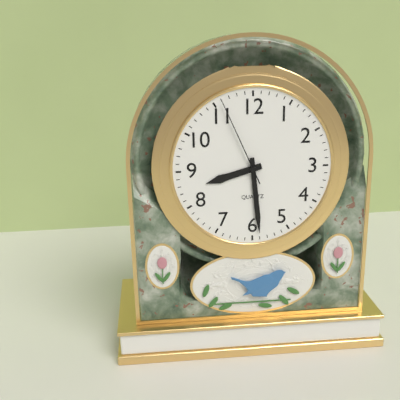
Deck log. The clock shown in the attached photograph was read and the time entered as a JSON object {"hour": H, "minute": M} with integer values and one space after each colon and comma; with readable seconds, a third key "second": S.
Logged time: {"hour": 8, "minute": 29, "second": 56}
